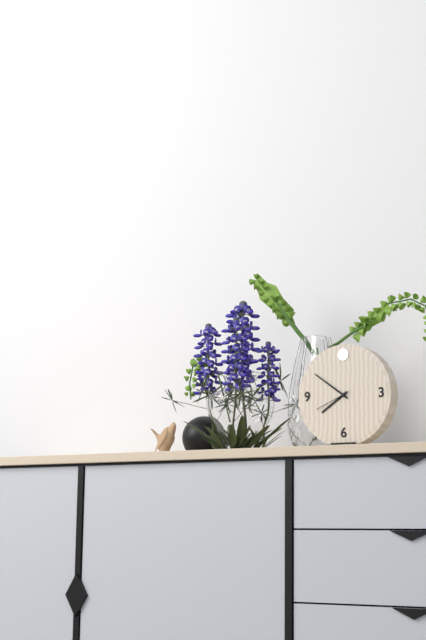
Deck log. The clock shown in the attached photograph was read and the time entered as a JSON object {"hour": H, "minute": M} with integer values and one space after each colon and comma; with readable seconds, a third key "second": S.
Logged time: {"hour": 7, "minute": 51}
